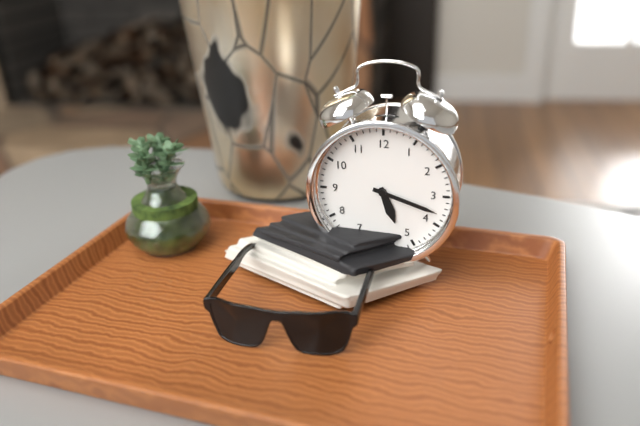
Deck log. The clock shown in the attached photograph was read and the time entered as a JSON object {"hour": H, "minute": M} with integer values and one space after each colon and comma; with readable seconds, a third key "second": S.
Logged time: {"hour": 5, "minute": 18}
